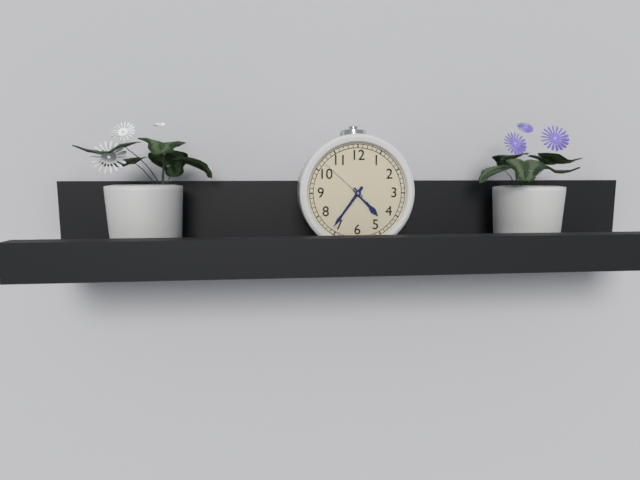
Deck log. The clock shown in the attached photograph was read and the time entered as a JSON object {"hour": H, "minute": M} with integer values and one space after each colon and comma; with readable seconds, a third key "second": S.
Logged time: {"hour": 4, "minute": 36, "second": 52}
